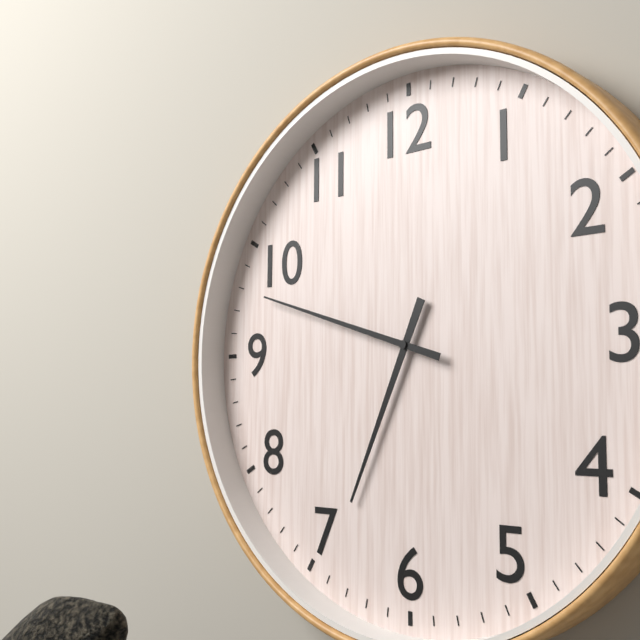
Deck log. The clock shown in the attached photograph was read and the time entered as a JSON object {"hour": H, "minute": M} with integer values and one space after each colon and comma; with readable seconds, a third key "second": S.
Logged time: {"hour": 6, "minute": 48}
